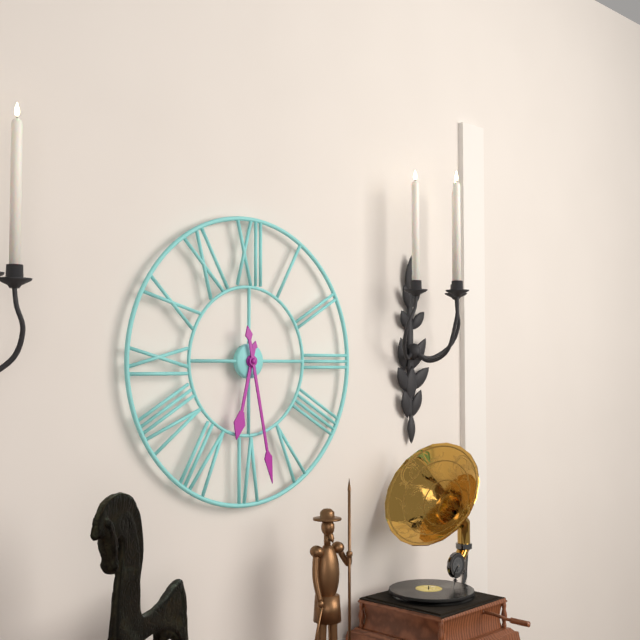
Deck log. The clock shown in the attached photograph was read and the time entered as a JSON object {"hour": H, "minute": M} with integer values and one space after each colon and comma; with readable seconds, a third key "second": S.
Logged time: {"hour": 6, "minute": 28}
